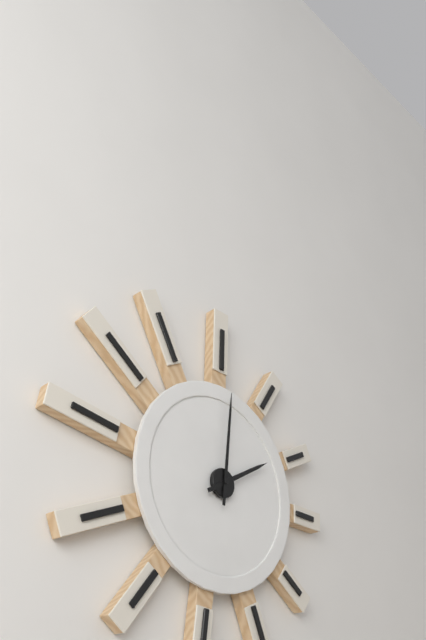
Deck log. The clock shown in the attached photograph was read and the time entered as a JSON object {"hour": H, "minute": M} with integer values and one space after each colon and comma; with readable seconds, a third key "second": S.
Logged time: {"hour": 2, "minute": 1}
